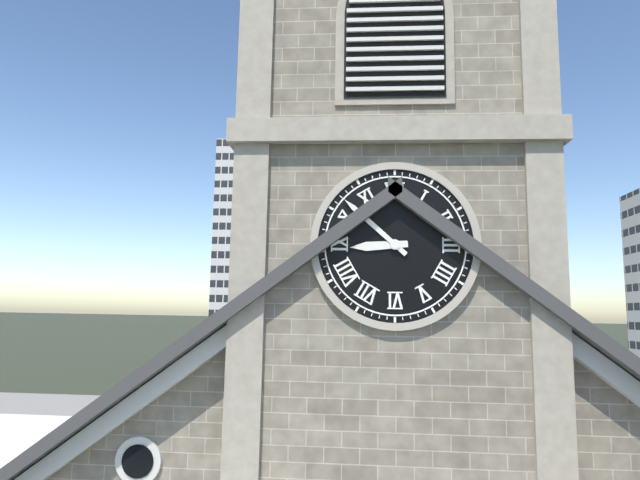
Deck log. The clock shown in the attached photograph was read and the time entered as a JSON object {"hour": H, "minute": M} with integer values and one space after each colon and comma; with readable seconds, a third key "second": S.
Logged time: {"hour": 8, "minute": 52}
